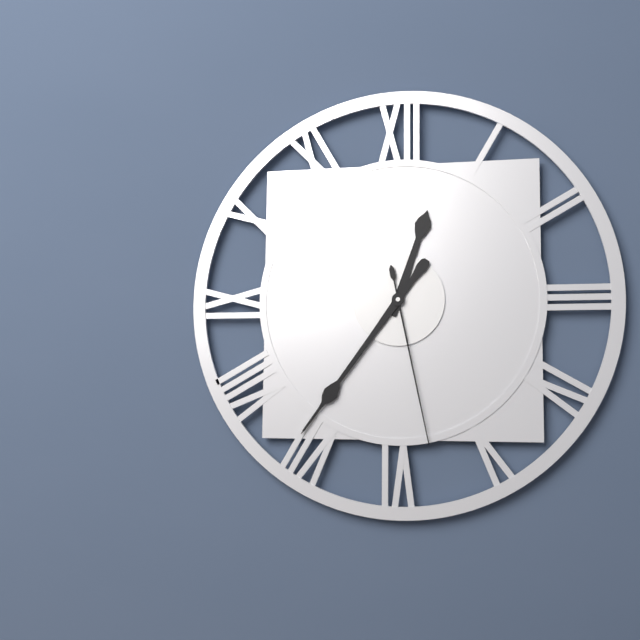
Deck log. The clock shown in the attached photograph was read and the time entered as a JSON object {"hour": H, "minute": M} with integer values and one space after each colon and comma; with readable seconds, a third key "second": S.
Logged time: {"hour": 12, "minute": 36, "second": 28}
